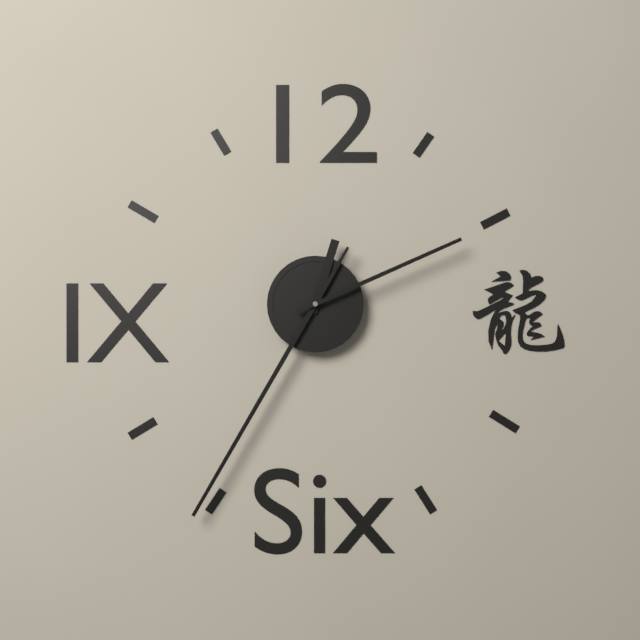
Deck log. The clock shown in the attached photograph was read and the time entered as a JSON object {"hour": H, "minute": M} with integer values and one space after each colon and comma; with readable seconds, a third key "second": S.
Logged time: {"hour": 12, "minute": 35, "second": 11}
